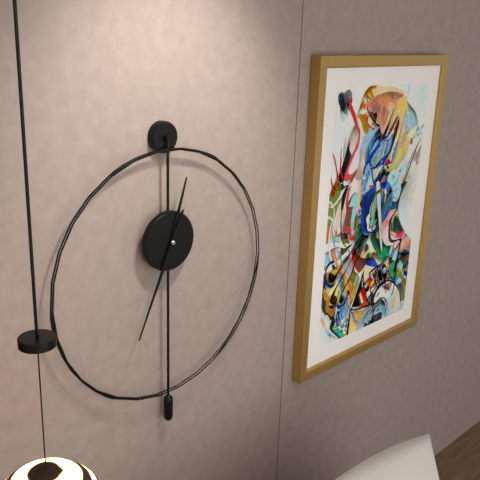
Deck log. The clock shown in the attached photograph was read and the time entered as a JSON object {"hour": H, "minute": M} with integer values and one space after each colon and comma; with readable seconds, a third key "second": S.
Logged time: {"hour": 12, "minute": 34}
